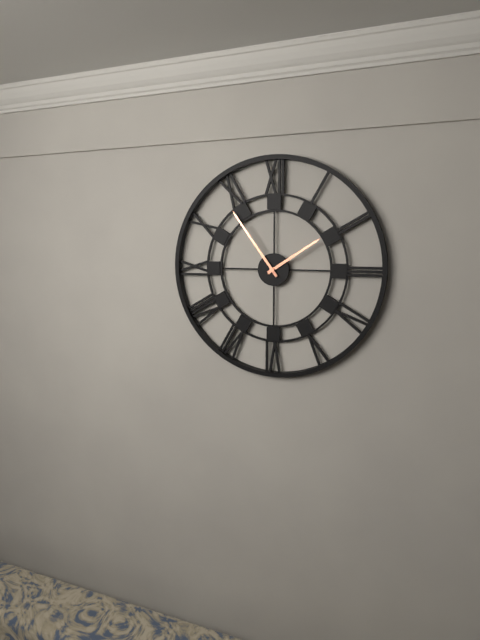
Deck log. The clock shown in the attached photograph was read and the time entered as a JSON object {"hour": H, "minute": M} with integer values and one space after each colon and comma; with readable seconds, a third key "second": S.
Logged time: {"hour": 1, "minute": 54}
